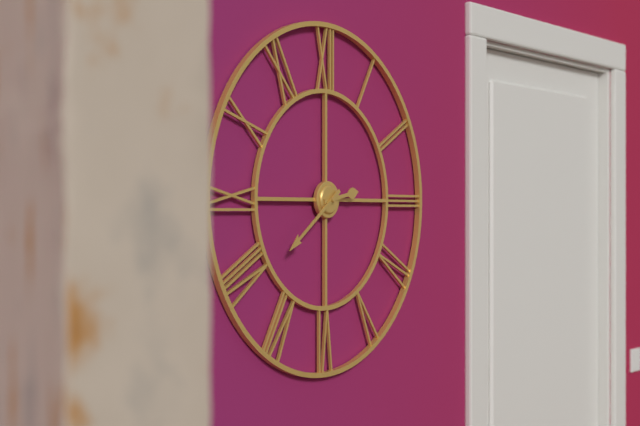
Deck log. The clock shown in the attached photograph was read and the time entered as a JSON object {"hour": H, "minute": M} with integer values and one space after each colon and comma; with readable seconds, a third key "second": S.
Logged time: {"hour": 2, "minute": 39}
